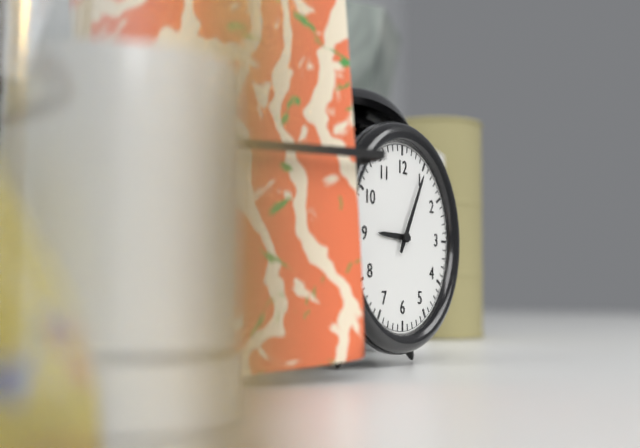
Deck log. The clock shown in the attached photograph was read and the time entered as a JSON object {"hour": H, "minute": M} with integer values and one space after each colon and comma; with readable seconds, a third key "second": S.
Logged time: {"hour": 9, "minute": 5}
